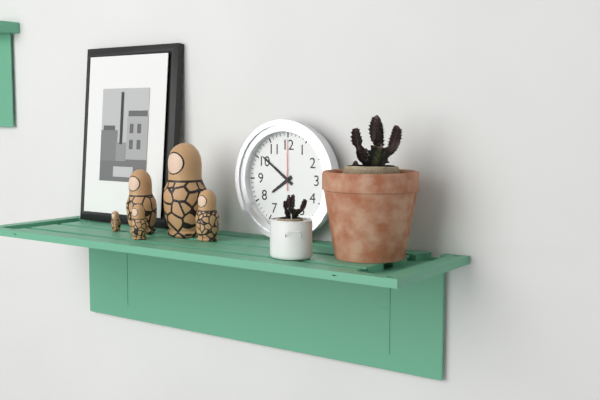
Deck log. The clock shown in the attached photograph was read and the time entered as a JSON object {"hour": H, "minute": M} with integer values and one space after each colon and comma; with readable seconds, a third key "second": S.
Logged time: {"hour": 7, "minute": 51, "second": 0}
